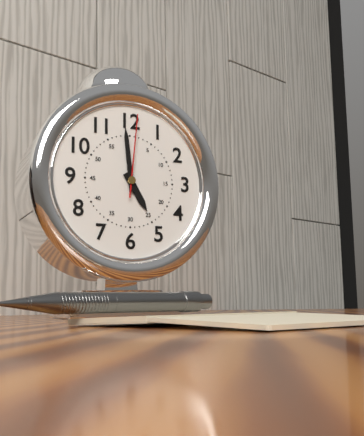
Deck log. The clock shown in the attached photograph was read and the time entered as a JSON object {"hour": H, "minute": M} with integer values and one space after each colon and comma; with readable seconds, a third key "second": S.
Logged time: {"hour": 4, "minute": 59, "second": 1}
